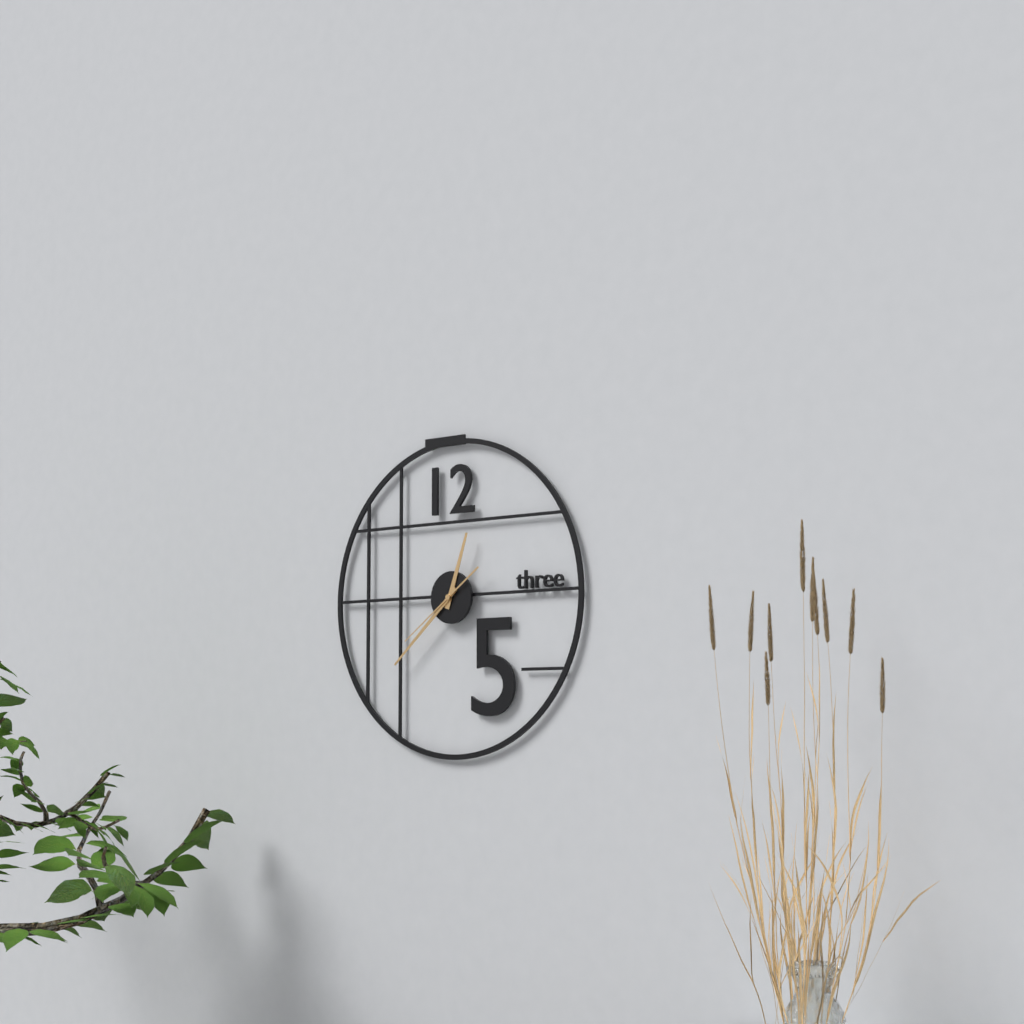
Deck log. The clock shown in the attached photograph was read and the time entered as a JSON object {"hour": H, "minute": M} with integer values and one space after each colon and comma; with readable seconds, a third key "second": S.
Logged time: {"hour": 12, "minute": 38, "second": 39}
